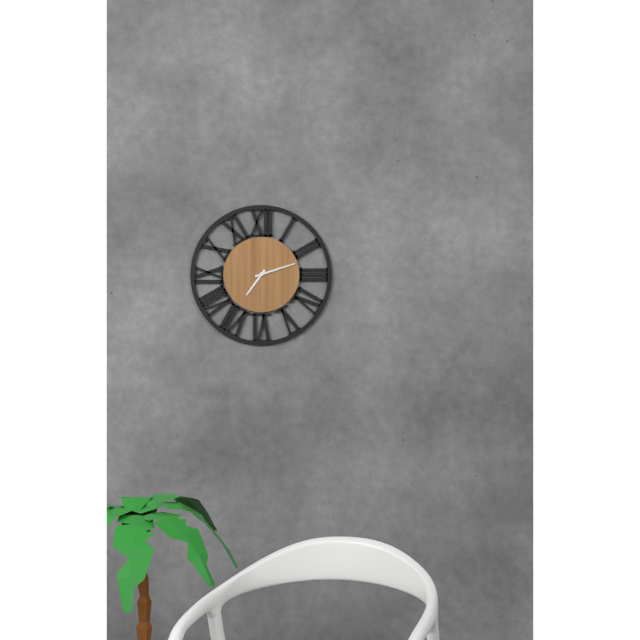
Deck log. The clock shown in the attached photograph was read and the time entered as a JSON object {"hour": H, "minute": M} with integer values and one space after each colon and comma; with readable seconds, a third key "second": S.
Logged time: {"hour": 7, "minute": 12}
